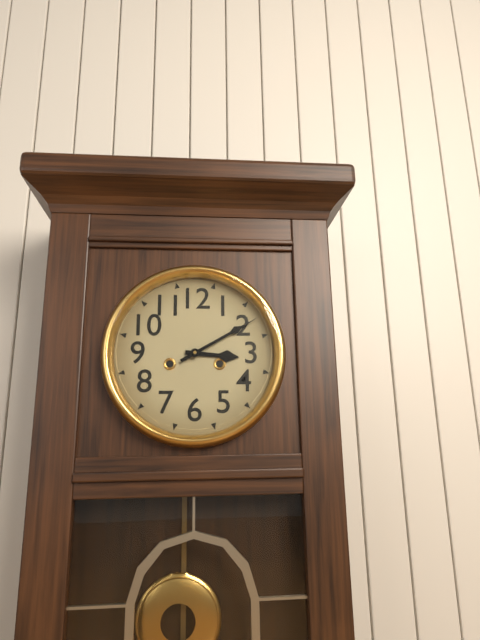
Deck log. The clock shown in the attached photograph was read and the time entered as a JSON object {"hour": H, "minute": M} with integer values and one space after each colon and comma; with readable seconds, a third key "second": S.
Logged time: {"hour": 3, "minute": 10}
